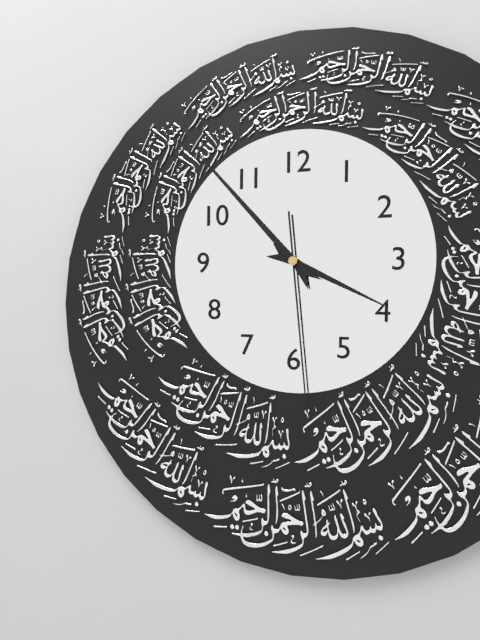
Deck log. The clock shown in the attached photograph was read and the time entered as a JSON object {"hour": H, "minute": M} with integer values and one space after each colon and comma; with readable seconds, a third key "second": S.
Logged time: {"hour": 3, "minute": 53, "second": 29}
